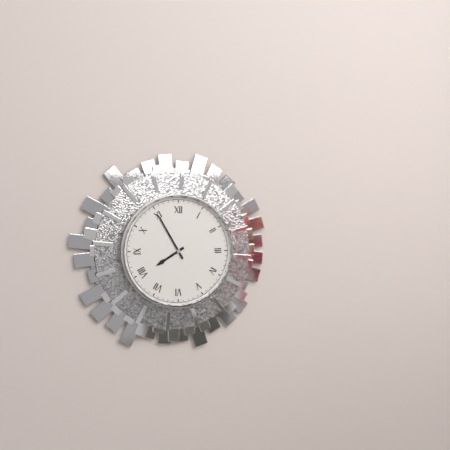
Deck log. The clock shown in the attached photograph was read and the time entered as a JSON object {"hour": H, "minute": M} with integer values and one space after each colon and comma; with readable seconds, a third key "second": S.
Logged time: {"hour": 7, "minute": 55}
